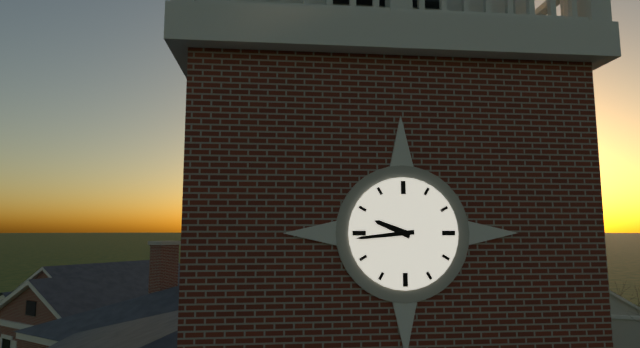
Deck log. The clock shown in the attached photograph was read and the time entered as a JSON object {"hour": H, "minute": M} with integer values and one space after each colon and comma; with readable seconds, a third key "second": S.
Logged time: {"hour": 9, "minute": 44}
